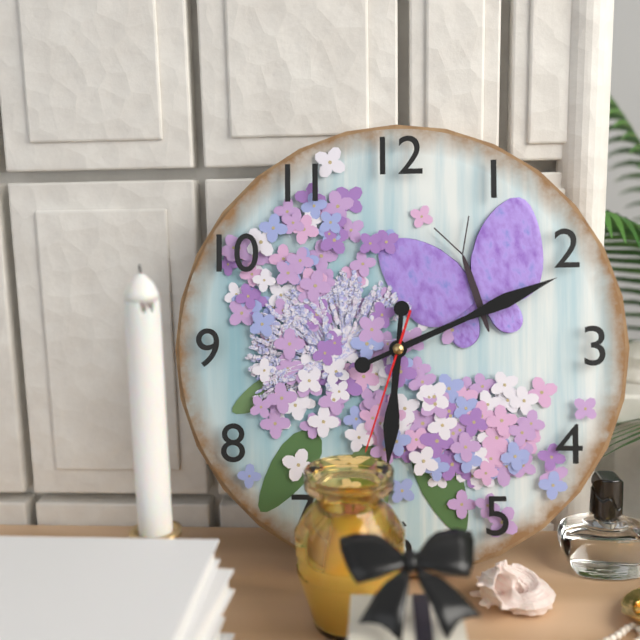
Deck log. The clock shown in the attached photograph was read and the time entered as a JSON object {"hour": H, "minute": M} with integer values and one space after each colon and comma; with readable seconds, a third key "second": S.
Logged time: {"hour": 6, "minute": 11, "second": 33}
